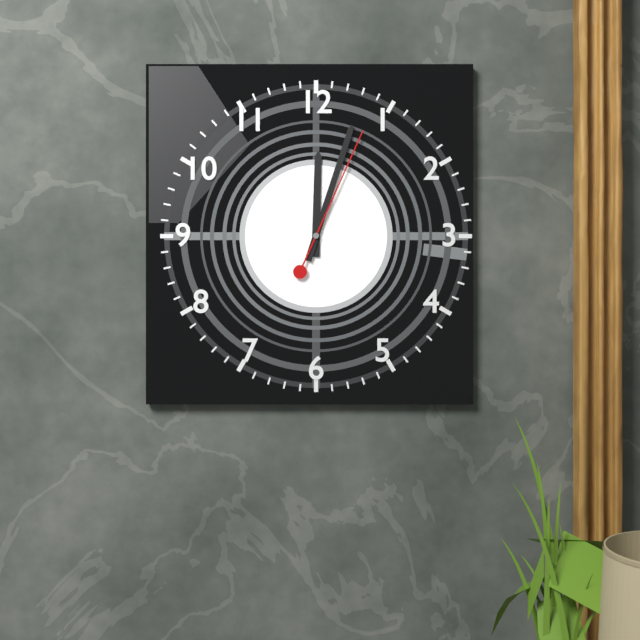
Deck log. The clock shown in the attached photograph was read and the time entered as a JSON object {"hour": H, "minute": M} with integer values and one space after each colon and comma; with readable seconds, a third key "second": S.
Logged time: {"hour": 12, "minute": 3, "second": 4}
